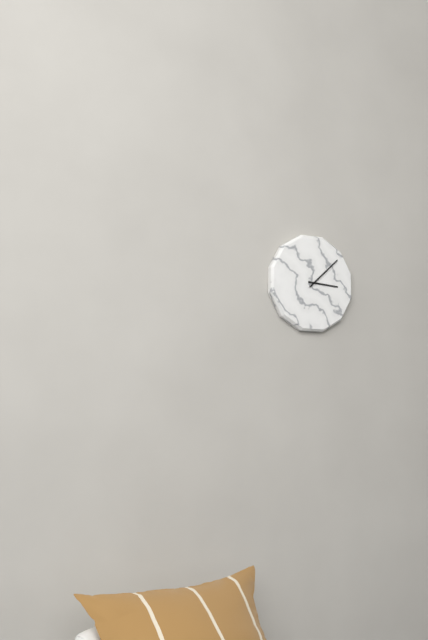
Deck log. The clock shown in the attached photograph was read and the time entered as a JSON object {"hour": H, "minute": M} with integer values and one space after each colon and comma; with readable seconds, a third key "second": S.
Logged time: {"hour": 3, "minute": 8}
